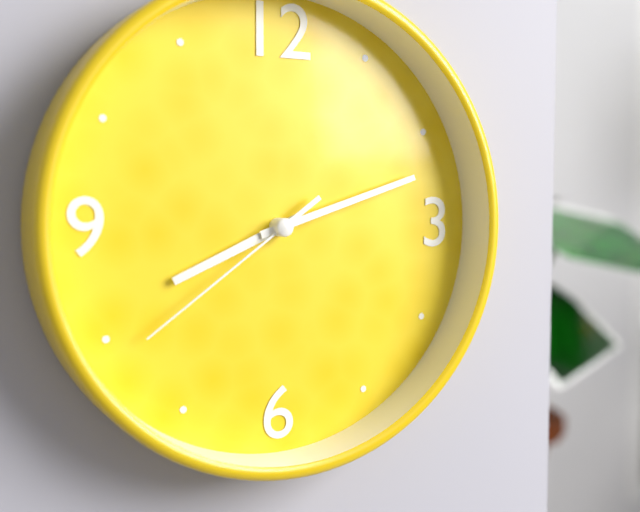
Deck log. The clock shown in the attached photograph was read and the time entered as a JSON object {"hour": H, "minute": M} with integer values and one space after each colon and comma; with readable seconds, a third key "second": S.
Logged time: {"hour": 8, "minute": 12, "second": 39}
